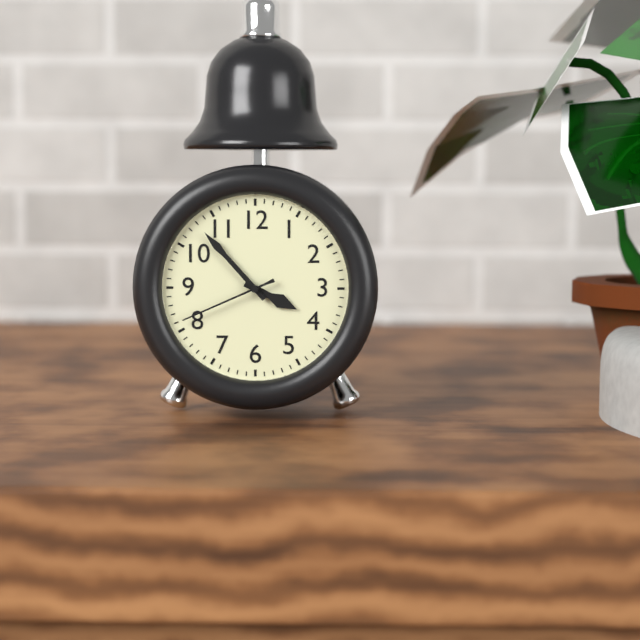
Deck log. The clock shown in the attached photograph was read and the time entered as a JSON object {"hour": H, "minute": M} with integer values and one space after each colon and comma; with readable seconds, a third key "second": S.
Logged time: {"hour": 3, "minute": 53, "second": 41}
